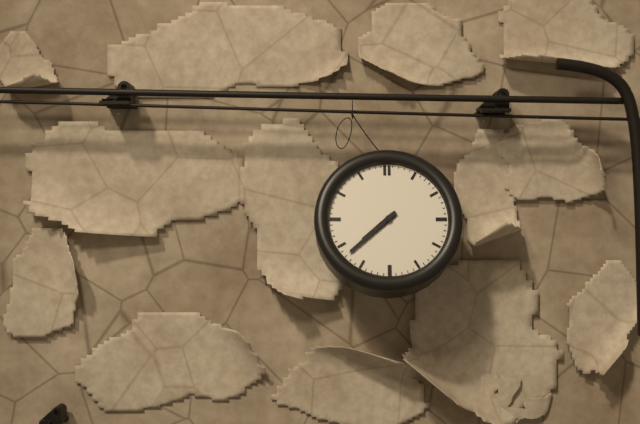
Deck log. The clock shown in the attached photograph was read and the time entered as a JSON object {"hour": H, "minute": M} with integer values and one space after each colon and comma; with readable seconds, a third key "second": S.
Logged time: {"hour": 7, "minute": 38}
